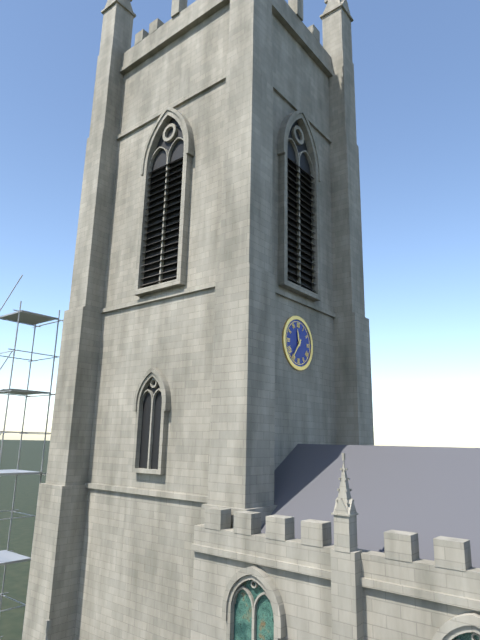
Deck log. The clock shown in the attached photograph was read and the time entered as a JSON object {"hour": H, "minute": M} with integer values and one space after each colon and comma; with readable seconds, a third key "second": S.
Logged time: {"hour": 11, "minute": 36}
